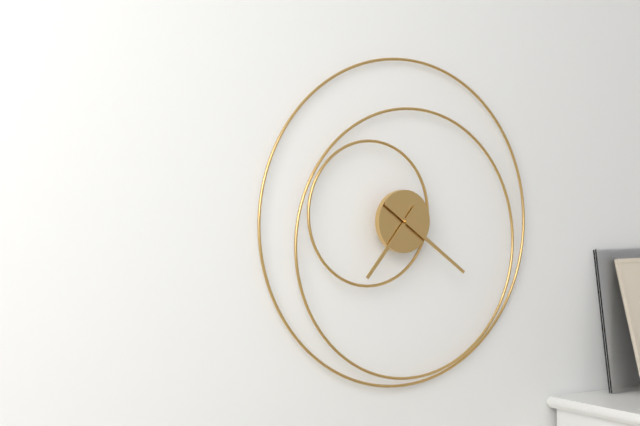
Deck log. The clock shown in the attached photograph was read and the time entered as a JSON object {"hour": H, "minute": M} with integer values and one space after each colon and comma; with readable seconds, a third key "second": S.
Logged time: {"hour": 7, "minute": 21}
